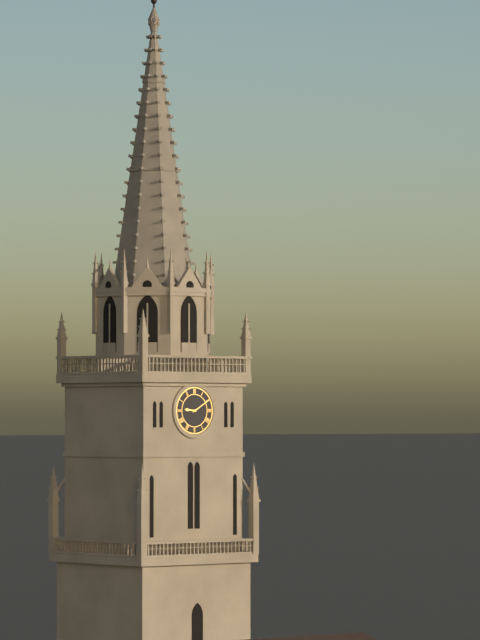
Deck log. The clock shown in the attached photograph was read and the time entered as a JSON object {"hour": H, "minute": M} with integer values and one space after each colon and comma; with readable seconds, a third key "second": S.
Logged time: {"hour": 9, "minute": 10}
